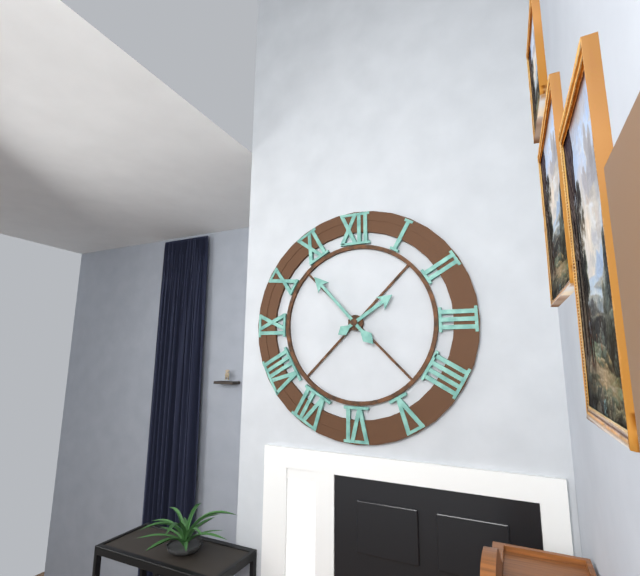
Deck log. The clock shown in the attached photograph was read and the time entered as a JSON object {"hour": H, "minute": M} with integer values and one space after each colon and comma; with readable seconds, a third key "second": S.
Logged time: {"hour": 1, "minute": 53}
